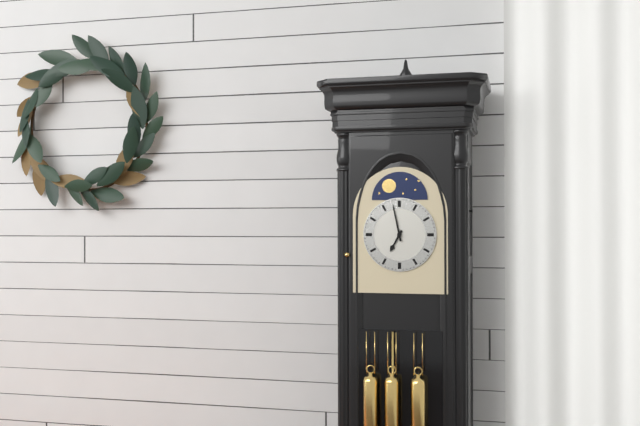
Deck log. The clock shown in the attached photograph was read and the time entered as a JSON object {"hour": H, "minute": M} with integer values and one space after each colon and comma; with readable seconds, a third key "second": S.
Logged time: {"hour": 6, "minute": 58}
